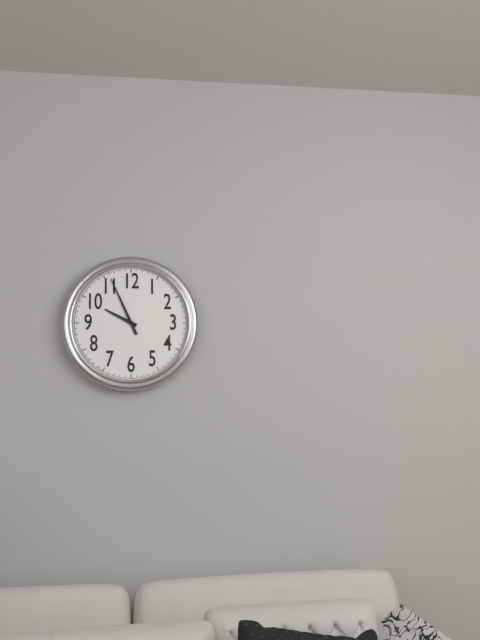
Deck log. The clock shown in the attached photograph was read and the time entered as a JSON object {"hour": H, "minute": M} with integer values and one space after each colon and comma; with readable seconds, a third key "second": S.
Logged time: {"hour": 9, "minute": 56}
